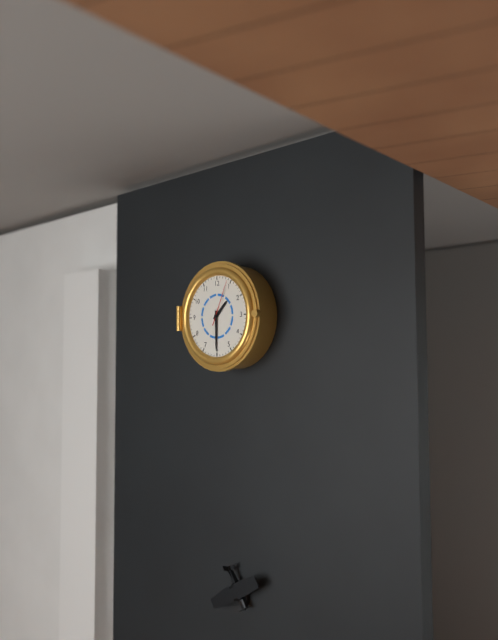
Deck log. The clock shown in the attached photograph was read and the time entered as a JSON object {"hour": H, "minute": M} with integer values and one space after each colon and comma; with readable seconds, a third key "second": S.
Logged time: {"hour": 1, "minute": 30}
